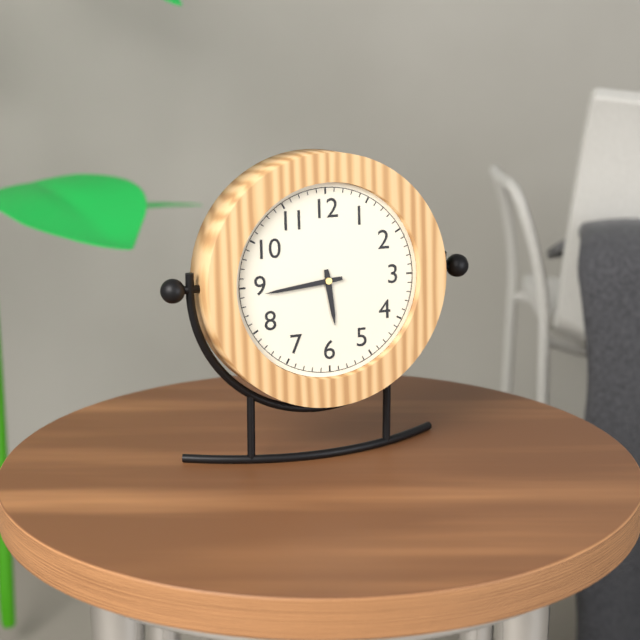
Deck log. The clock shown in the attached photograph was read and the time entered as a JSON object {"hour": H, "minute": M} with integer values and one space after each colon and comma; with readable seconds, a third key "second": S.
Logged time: {"hour": 5, "minute": 44}
